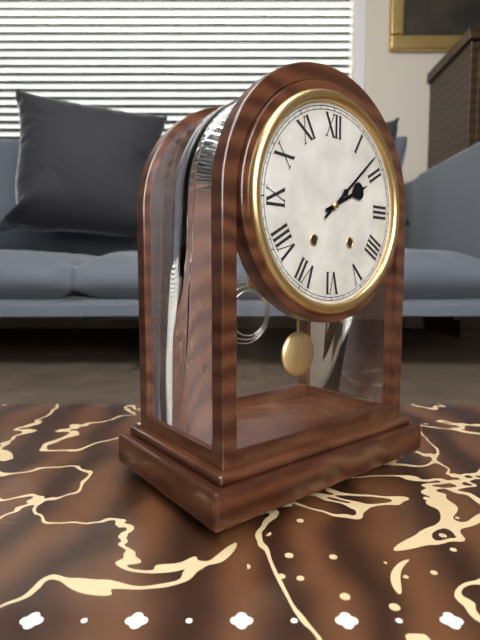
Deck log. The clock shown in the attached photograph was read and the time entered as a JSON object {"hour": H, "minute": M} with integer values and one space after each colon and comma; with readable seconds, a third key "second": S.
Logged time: {"hour": 2, "minute": 8}
